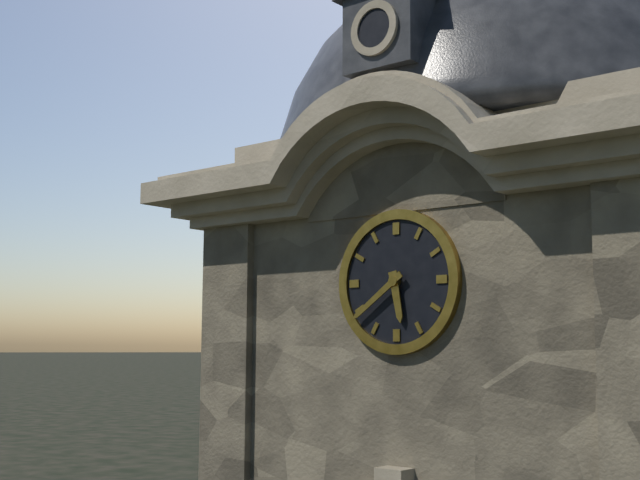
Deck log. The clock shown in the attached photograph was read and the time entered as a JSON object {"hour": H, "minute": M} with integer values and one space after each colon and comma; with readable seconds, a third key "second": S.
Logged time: {"hour": 5, "minute": 39}
